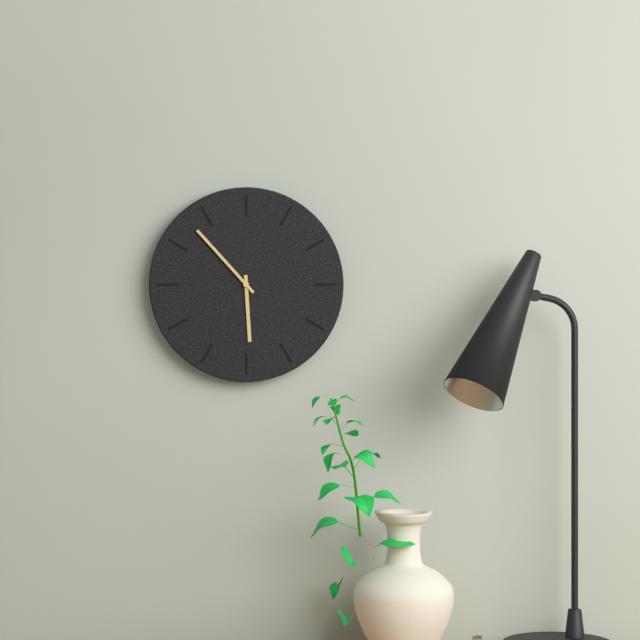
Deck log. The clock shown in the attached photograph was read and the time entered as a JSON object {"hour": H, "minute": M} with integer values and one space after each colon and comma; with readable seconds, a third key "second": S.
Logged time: {"hour": 5, "minute": 53}
